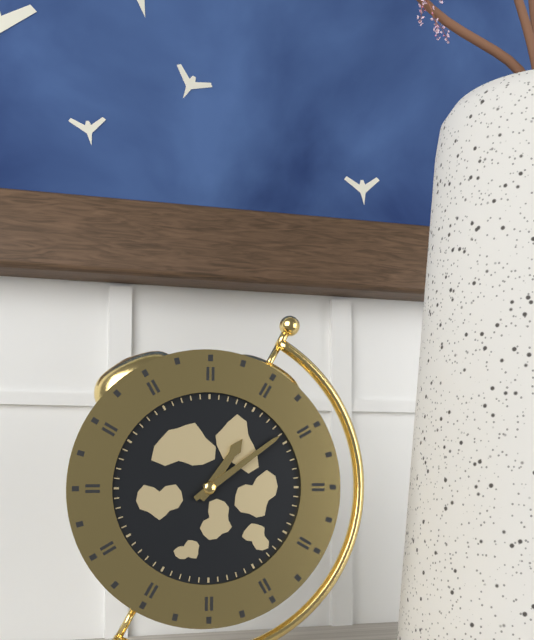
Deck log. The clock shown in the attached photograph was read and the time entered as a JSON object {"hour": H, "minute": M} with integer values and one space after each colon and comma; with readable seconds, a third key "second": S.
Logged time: {"hour": 1, "minute": 9}
